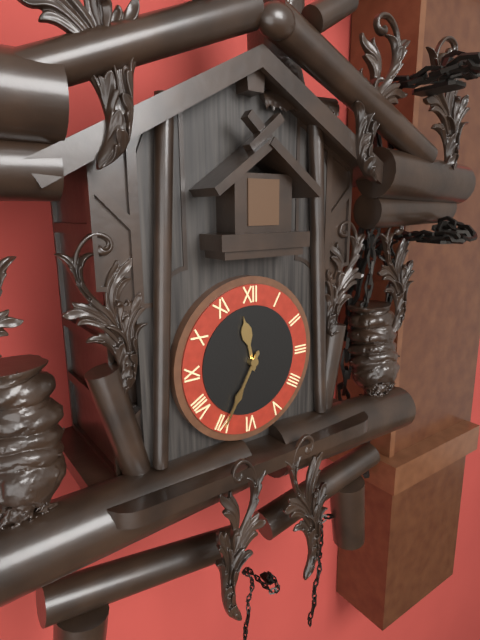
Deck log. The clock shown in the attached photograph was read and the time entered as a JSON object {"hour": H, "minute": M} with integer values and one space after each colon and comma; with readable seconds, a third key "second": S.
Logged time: {"hour": 11, "minute": 35}
